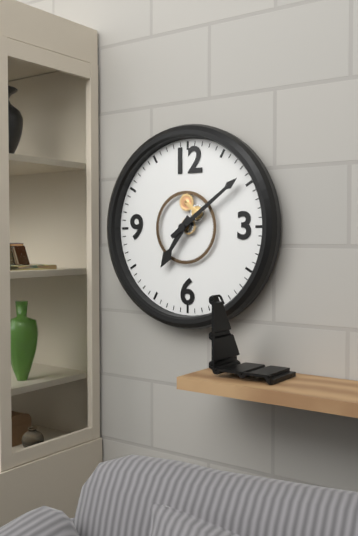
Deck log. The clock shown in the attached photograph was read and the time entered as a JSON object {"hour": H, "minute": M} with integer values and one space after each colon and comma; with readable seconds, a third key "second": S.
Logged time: {"hour": 7, "minute": 9}
